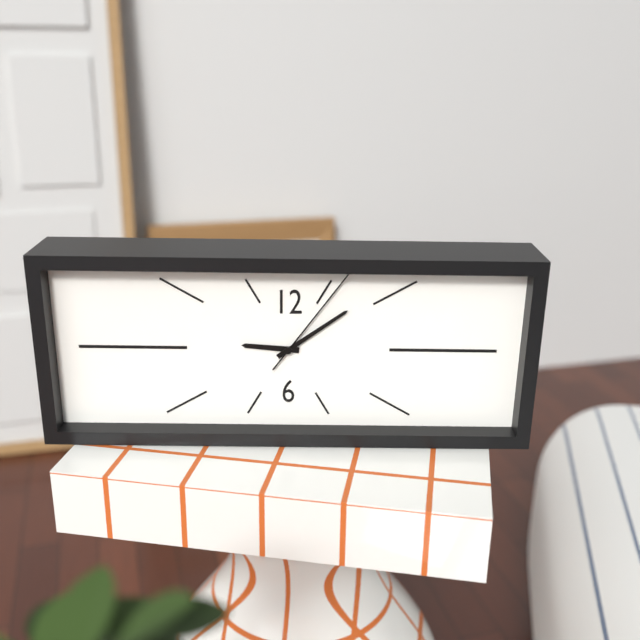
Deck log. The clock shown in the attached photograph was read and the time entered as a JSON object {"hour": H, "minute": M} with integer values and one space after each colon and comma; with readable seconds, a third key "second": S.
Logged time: {"hour": 9, "minute": 9, "second": 6}
